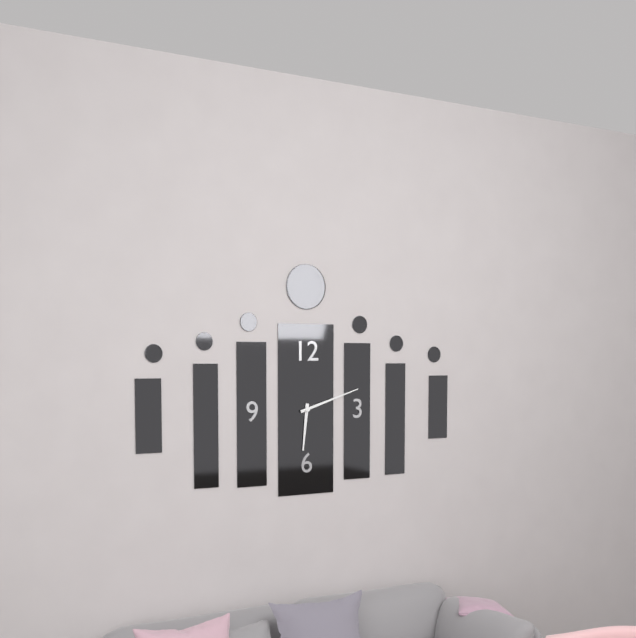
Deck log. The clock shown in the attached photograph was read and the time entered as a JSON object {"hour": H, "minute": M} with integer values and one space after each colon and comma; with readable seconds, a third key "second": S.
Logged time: {"hour": 6, "minute": 12}
